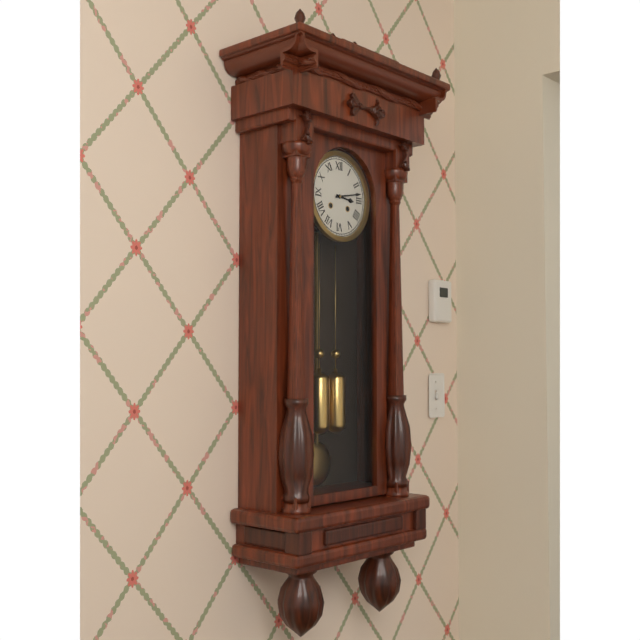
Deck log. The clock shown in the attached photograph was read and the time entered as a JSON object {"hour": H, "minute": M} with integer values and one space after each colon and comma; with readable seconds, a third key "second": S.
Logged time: {"hour": 3, "minute": 13}
